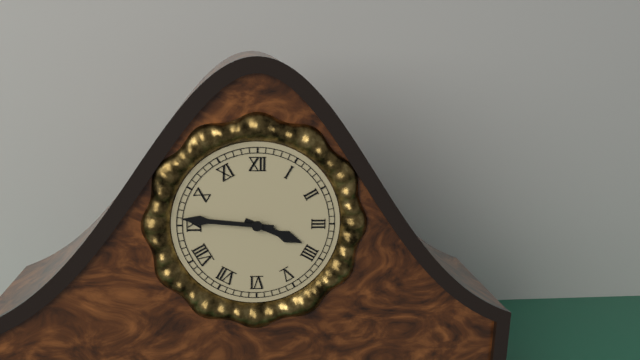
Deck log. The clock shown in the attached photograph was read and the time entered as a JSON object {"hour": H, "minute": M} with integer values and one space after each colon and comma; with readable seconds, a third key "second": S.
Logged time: {"hour": 3, "minute": 46}
